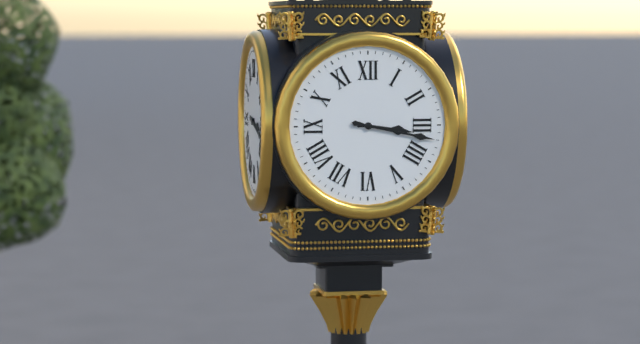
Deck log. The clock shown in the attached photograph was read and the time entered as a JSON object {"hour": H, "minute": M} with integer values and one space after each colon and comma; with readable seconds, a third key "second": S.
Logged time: {"hour": 3, "minute": 17}
